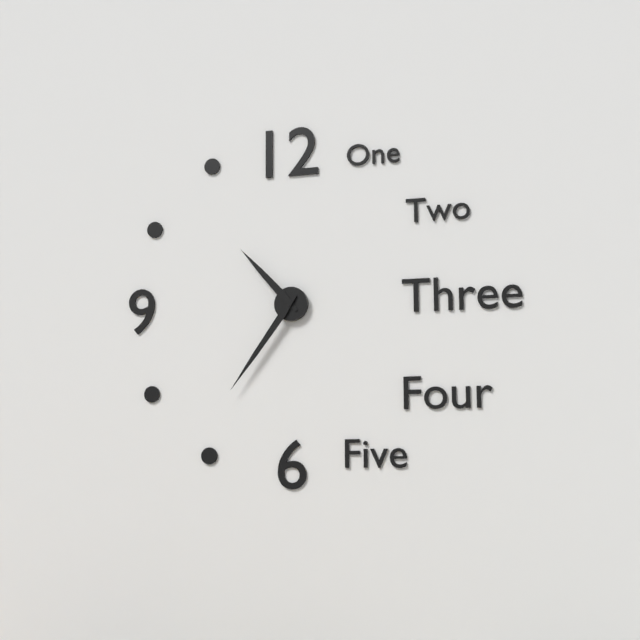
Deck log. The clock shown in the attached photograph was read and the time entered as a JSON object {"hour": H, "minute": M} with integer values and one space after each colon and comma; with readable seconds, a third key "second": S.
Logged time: {"hour": 10, "minute": 36}
